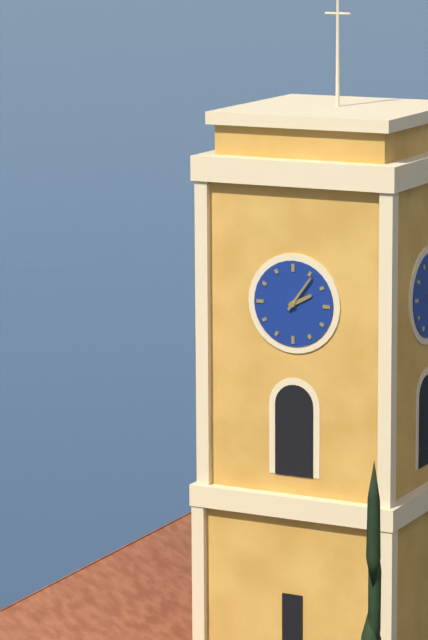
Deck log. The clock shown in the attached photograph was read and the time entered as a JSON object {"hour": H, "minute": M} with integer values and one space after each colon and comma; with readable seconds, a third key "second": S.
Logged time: {"hour": 2, "minute": 6}
